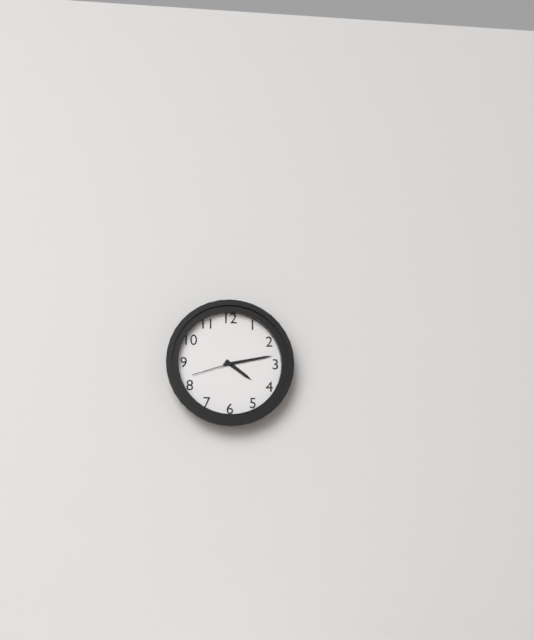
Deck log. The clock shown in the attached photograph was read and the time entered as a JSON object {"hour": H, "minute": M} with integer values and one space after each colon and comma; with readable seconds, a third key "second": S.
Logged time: {"hour": 4, "minute": 13}
